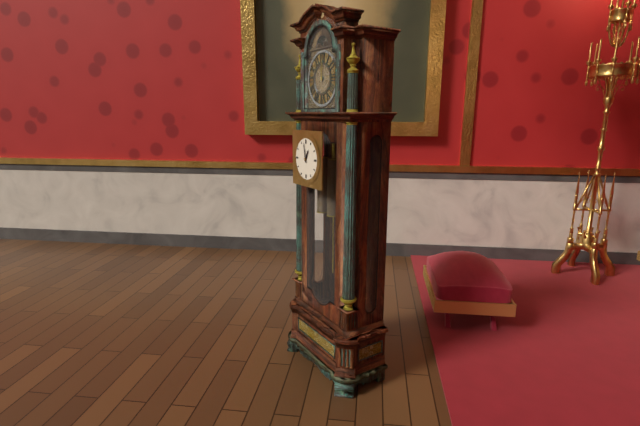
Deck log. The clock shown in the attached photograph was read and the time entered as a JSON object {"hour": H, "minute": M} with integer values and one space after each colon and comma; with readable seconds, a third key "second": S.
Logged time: {"hour": 12, "minute": 58}
